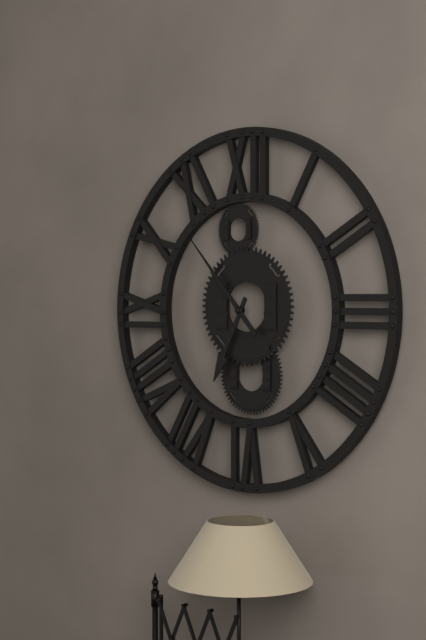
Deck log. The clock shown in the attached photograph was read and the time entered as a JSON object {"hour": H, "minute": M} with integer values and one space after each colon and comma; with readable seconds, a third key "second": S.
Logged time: {"hour": 6, "minute": 53}
